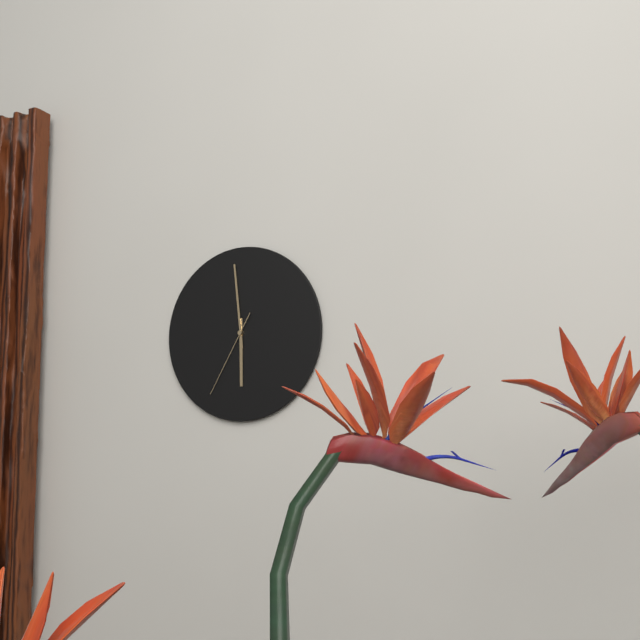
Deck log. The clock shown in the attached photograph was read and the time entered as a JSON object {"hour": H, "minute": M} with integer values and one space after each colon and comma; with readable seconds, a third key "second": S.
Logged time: {"hour": 5, "minute": 59, "second": 35}
